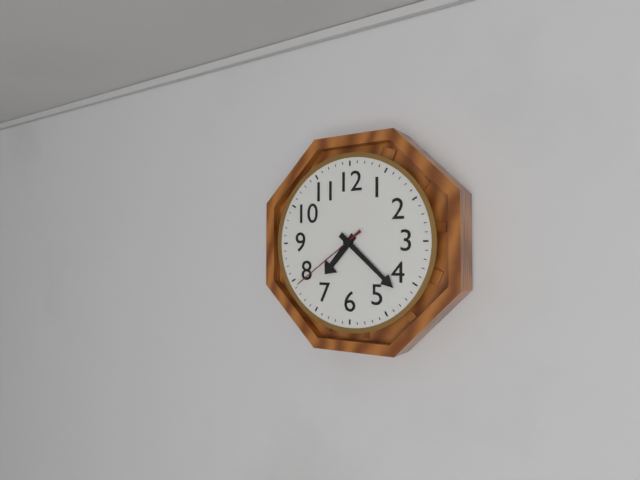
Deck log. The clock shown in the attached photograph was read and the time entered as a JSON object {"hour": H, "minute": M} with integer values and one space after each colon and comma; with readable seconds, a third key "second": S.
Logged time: {"hour": 7, "minute": 22, "second": 39}
